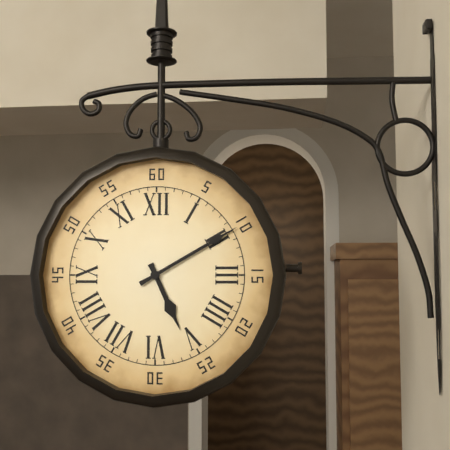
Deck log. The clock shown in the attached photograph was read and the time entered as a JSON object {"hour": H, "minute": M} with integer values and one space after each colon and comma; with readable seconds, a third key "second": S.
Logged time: {"hour": 5, "minute": 10}
